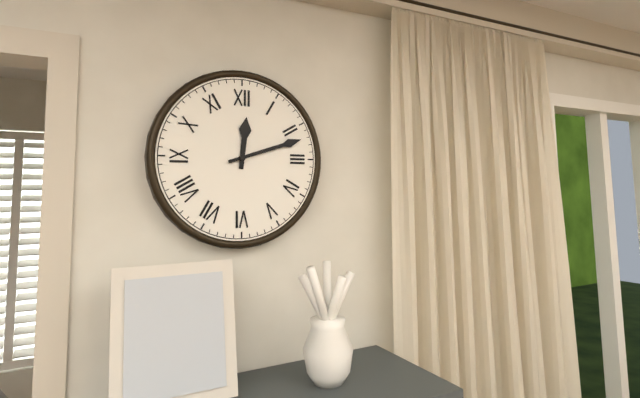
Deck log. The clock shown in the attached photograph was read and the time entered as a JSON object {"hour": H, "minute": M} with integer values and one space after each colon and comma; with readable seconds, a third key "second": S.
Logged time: {"hour": 12, "minute": 12}
